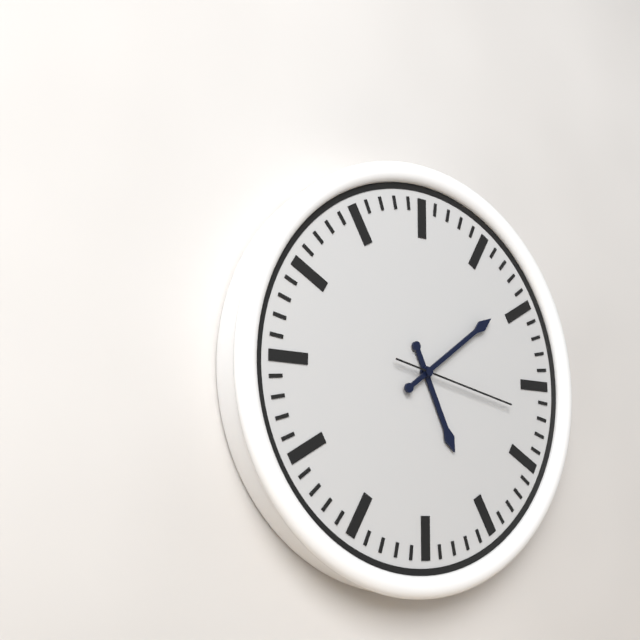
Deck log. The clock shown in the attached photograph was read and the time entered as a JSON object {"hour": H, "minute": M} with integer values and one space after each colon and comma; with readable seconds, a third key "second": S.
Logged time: {"hour": 5, "minute": 9, "second": 17}
